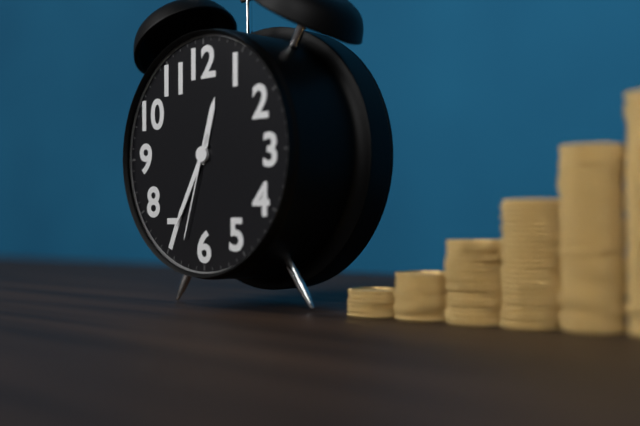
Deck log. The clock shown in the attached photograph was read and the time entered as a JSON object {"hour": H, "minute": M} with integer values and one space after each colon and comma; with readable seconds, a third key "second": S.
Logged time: {"hour": 12, "minute": 35, "second": 33}
